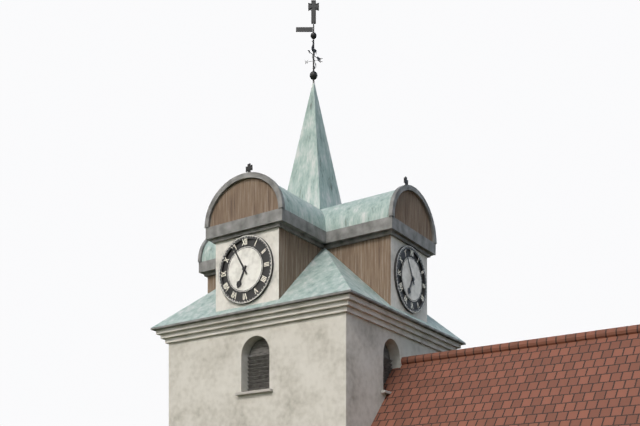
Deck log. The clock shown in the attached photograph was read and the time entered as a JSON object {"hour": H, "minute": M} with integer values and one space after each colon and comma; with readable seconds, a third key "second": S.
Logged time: {"hour": 6, "minute": 55}
